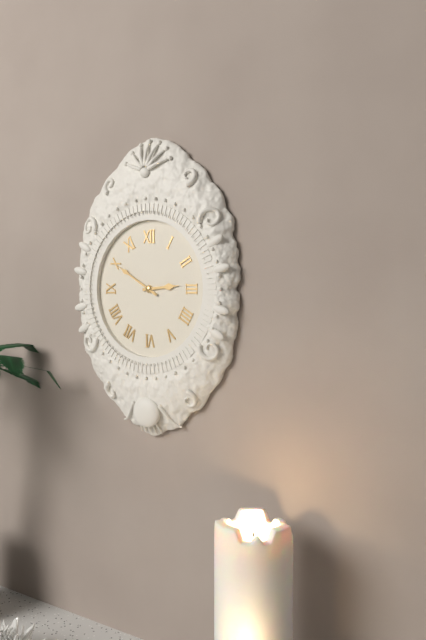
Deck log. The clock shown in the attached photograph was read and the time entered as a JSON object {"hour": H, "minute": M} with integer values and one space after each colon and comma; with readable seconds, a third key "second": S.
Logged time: {"hour": 2, "minute": 50}
